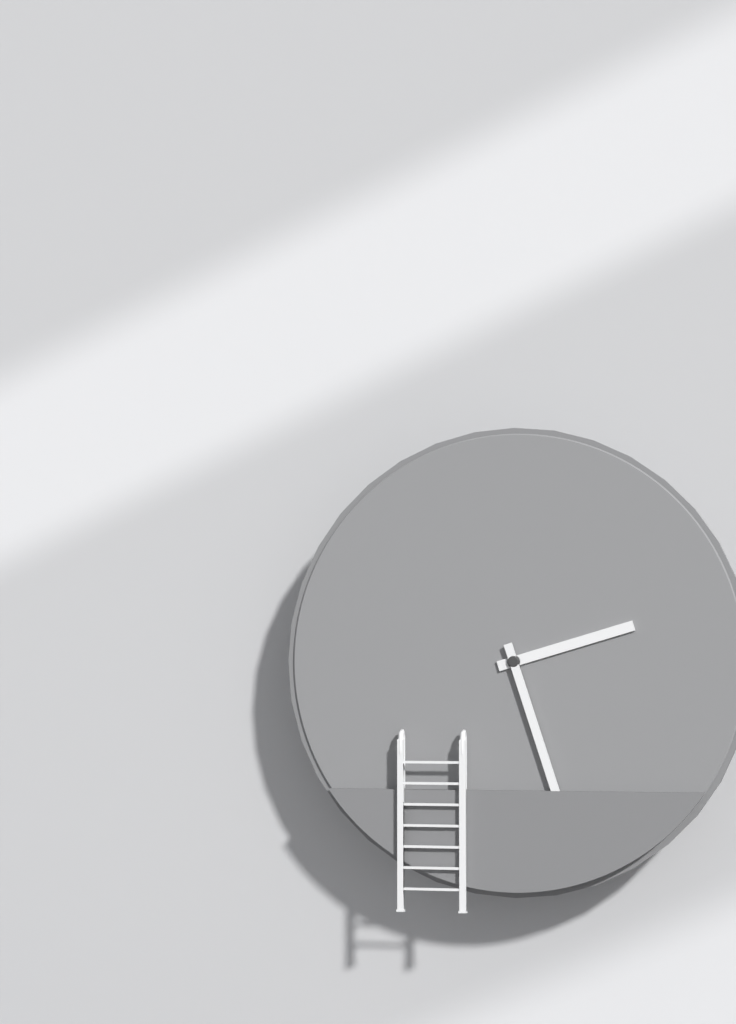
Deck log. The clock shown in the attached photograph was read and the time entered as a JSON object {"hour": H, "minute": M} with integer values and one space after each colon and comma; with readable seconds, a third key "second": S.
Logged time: {"hour": 2, "minute": 27}
